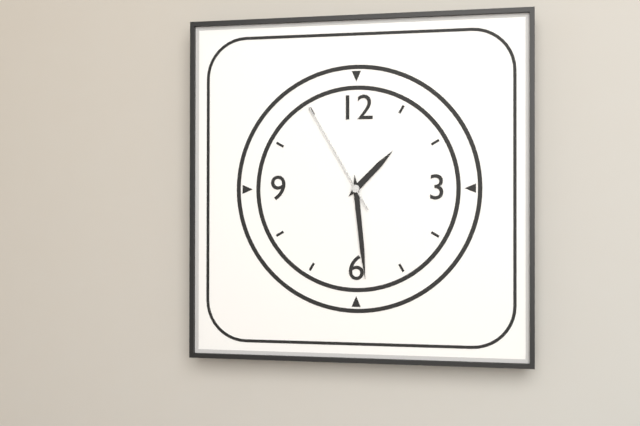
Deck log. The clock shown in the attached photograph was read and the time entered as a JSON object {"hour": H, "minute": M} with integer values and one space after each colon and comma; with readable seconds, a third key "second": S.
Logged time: {"hour": 1, "minute": 29, "second": 55}
